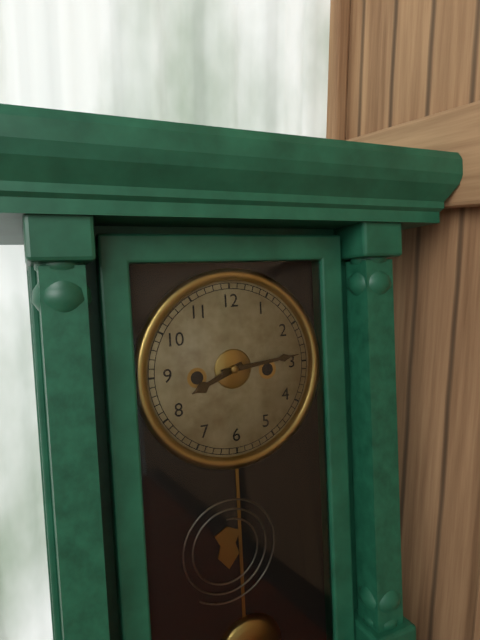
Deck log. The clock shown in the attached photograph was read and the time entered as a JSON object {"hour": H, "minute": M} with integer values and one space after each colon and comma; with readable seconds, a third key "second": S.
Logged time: {"hour": 8, "minute": 14}
